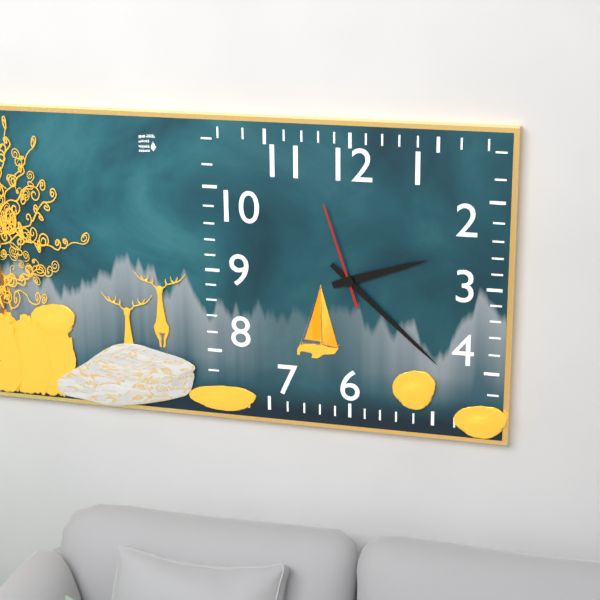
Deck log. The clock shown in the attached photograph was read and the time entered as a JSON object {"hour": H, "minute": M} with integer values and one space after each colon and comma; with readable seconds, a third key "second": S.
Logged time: {"hour": 2, "minute": 22, "second": 57}
